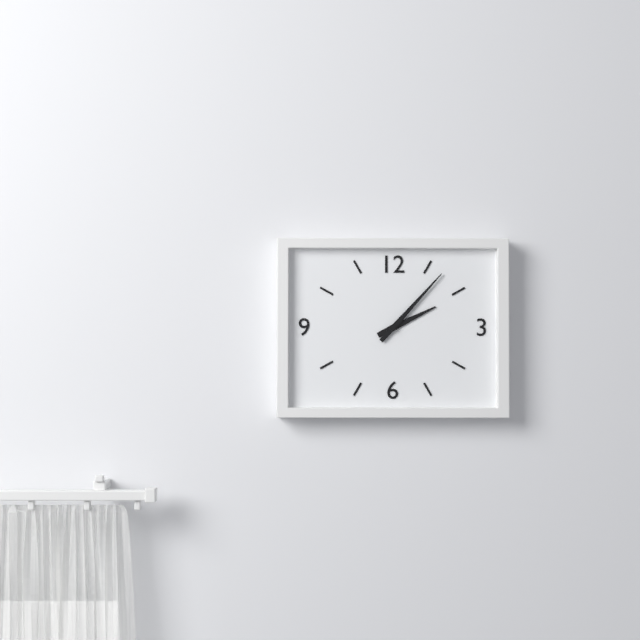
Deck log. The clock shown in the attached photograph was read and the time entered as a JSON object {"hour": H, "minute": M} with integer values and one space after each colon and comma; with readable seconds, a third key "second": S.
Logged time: {"hour": 2, "minute": 7}
